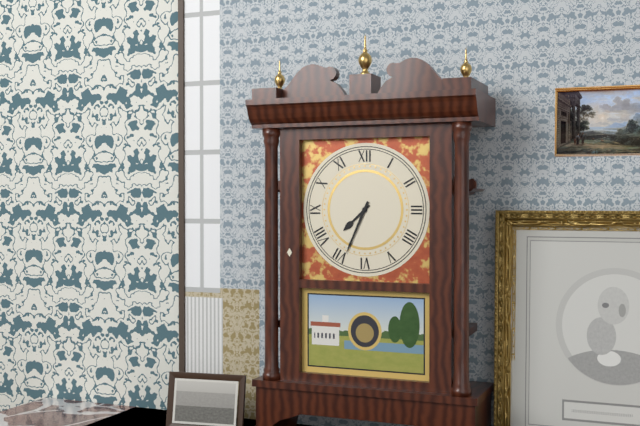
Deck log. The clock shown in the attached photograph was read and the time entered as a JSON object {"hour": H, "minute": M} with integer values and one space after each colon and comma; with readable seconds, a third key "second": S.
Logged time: {"hour": 7, "minute": 34}
